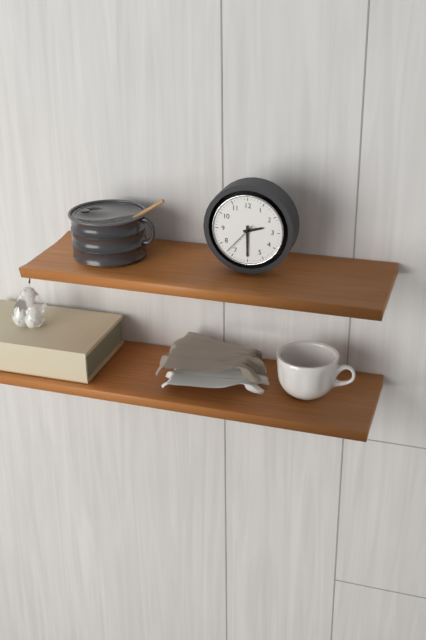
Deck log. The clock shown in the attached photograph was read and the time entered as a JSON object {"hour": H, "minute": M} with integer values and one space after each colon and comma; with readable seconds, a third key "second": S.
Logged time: {"hour": 2, "minute": 30}
